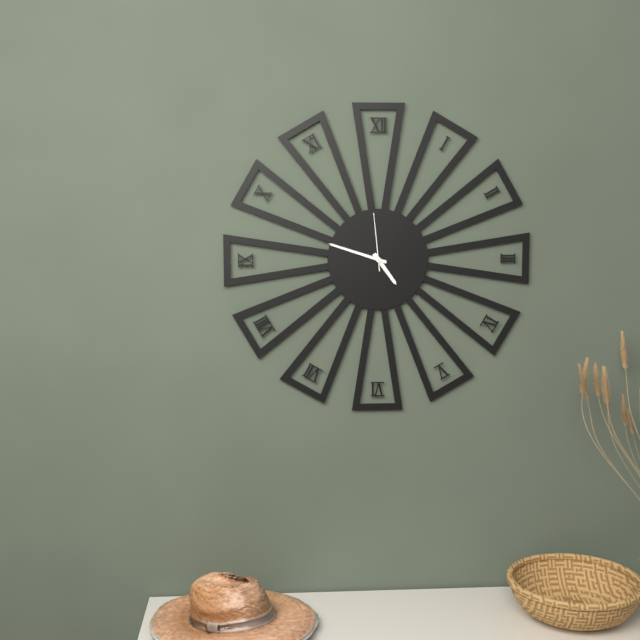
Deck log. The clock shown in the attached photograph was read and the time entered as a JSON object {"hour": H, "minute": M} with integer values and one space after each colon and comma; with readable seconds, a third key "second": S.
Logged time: {"hour": 4, "minute": 48, "second": 59}
